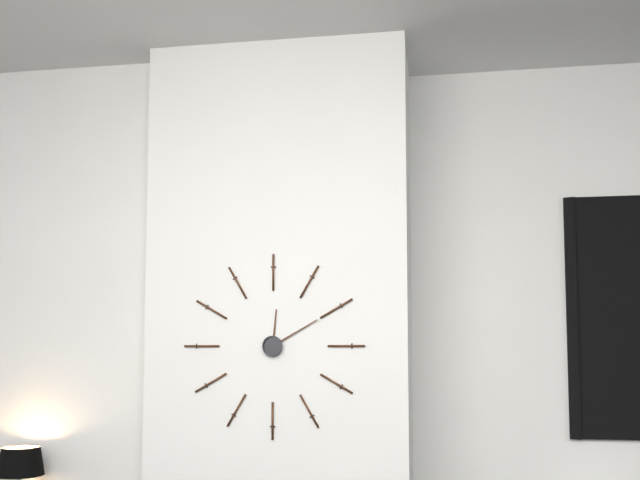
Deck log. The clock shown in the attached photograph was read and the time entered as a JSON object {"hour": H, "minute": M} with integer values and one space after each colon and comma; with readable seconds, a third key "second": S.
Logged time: {"hour": 12, "minute": 10}
